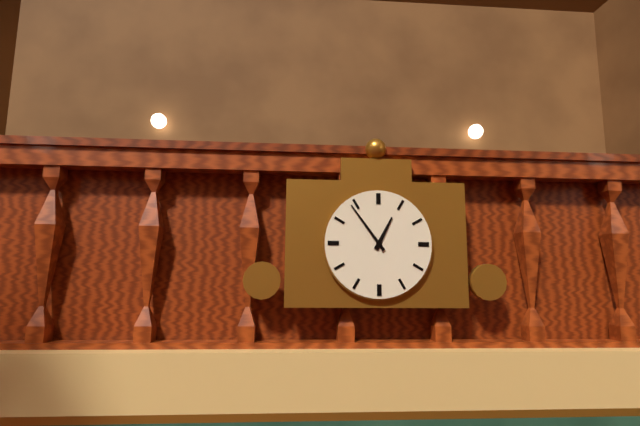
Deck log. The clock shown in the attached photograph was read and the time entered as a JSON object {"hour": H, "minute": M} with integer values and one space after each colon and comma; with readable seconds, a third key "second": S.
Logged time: {"hour": 12, "minute": 54}
